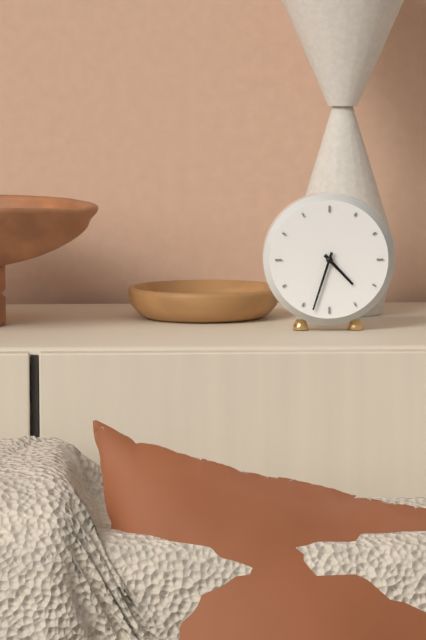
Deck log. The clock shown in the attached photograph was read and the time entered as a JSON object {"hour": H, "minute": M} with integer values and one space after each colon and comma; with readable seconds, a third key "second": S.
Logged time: {"hour": 4, "minute": 33}
